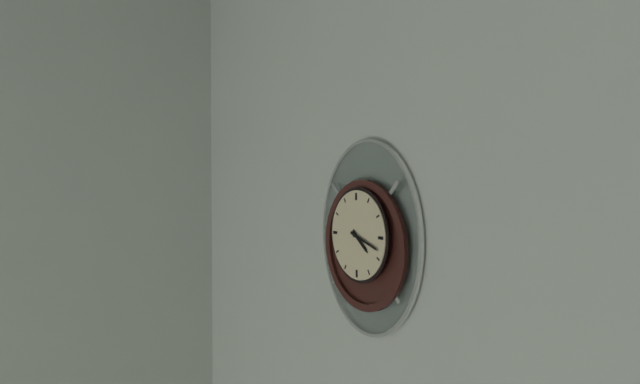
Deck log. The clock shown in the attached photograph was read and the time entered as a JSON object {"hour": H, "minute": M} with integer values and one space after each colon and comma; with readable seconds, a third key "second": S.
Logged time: {"hour": 4, "minute": 18}
